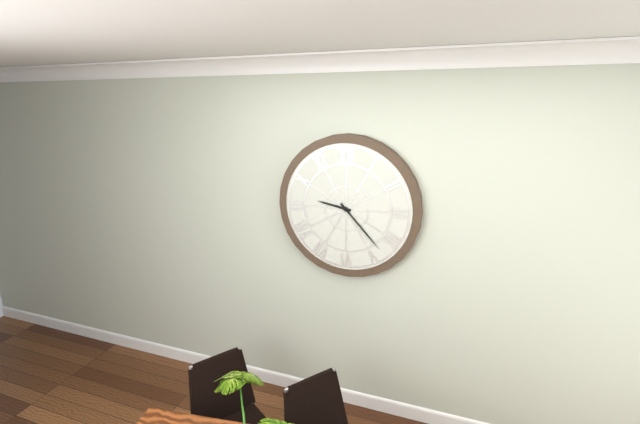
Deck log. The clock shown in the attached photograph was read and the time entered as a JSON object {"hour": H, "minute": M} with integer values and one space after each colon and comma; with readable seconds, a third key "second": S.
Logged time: {"hour": 9, "minute": 23}
